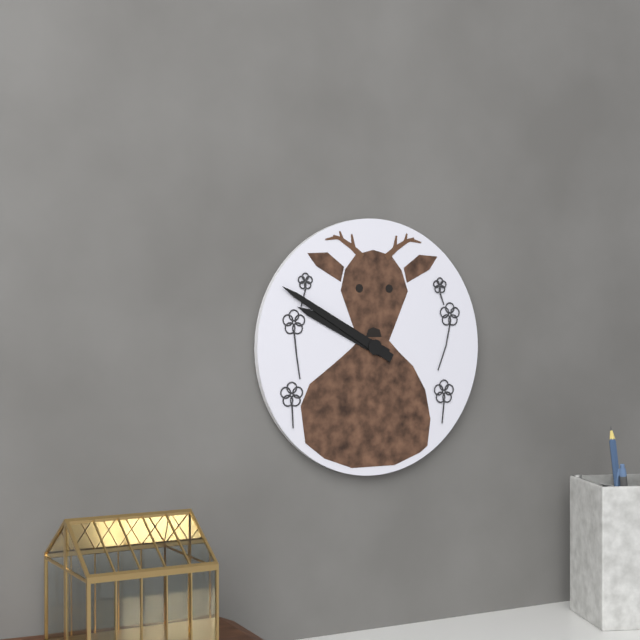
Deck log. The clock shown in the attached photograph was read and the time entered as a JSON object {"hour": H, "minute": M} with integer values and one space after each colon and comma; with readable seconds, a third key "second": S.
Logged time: {"hour": 9, "minute": 50}
